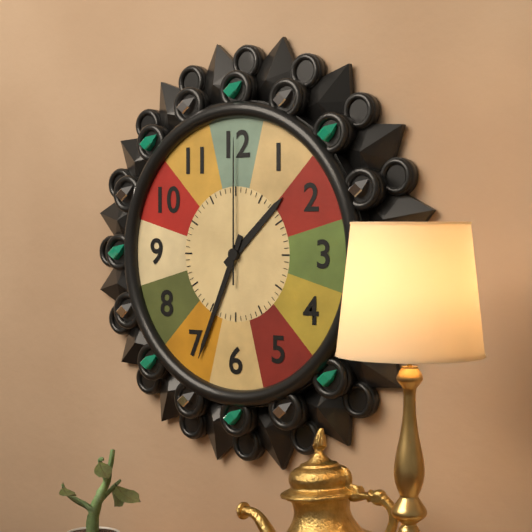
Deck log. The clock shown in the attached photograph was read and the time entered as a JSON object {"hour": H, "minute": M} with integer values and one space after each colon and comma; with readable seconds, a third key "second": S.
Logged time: {"hour": 1, "minute": 34, "second": 0}
